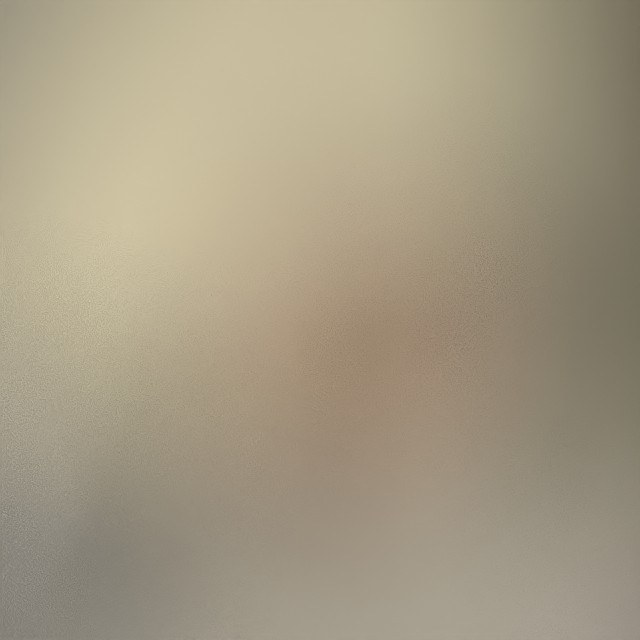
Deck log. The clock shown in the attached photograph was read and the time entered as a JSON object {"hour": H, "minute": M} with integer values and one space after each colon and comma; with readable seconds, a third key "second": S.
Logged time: {"hour": 11, "minute": 33}
